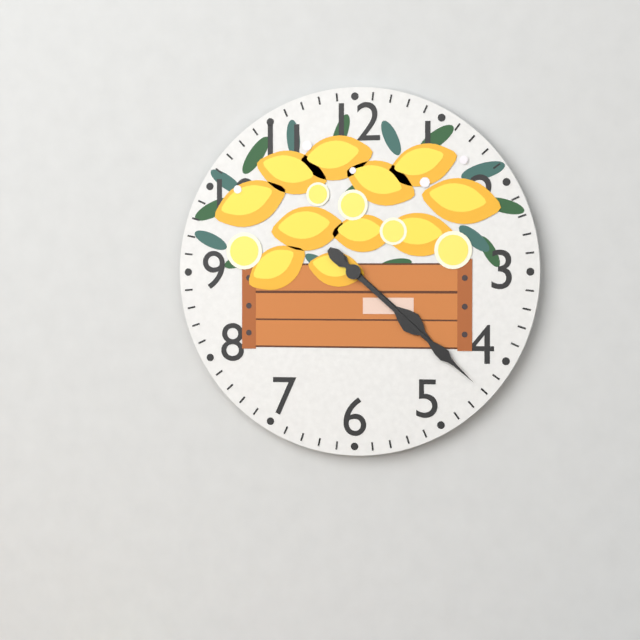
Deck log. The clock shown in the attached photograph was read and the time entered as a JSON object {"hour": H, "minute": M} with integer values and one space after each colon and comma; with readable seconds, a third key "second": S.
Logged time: {"hour": 4, "minute": 22}
